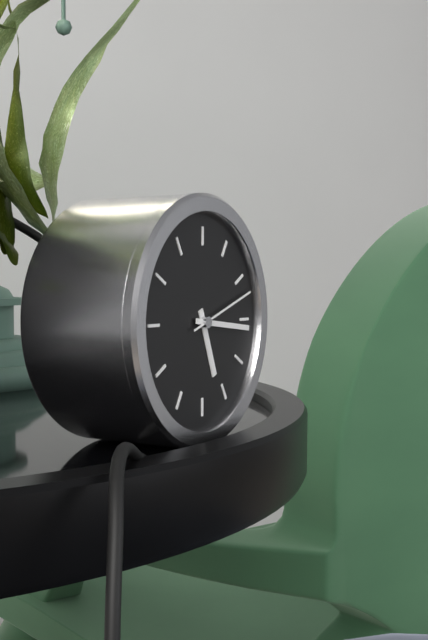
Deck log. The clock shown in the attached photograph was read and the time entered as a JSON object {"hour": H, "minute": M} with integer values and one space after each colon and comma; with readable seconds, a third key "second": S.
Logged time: {"hour": 5, "minute": 16, "second": 12}
